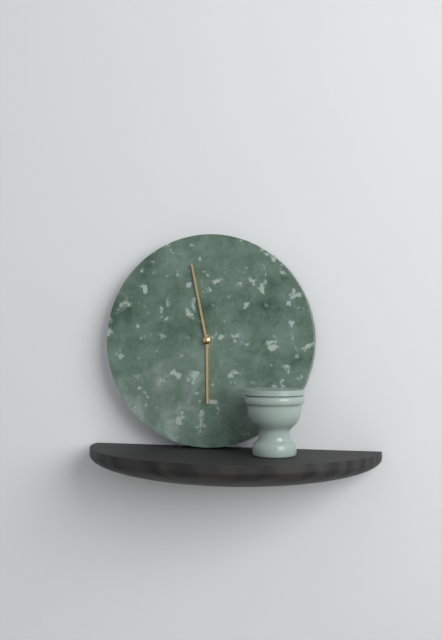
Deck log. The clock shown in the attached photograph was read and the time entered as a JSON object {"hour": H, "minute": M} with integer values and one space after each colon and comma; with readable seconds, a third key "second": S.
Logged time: {"hour": 5, "minute": 58}
